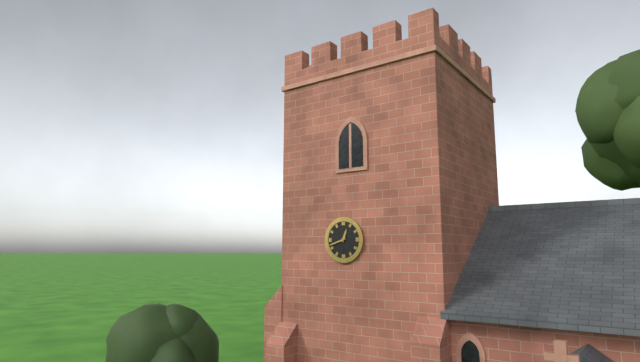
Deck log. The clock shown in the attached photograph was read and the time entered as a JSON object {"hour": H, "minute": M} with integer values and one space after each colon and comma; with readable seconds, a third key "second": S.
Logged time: {"hour": 12, "minute": 42}
